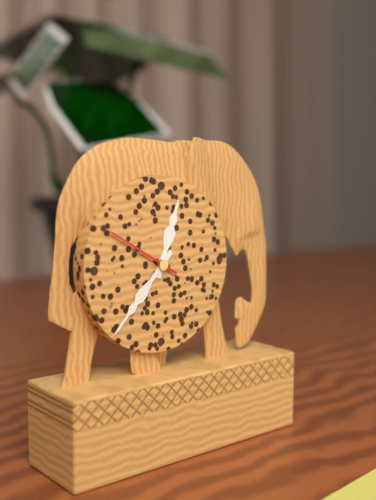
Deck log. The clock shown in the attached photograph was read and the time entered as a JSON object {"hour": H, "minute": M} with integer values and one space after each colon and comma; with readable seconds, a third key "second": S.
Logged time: {"hour": 12, "minute": 37, "second": 50}
